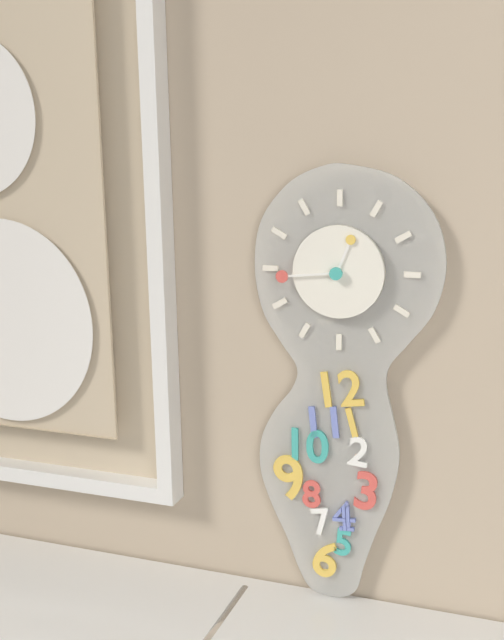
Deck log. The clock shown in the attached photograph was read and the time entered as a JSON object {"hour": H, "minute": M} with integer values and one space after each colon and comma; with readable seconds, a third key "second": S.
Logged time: {"hour": 12, "minute": 44}
